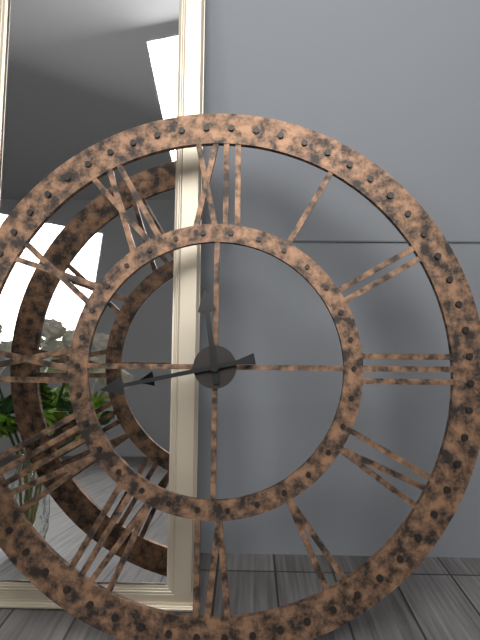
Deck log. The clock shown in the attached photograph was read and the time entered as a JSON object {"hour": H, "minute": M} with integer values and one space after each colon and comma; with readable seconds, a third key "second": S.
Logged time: {"hour": 11, "minute": 43}
